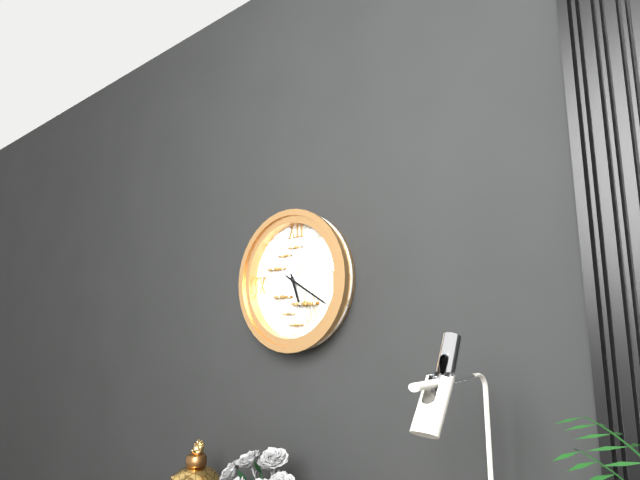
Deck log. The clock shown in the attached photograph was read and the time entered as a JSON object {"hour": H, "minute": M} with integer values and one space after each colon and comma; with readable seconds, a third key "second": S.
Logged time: {"hour": 5, "minute": 20}
